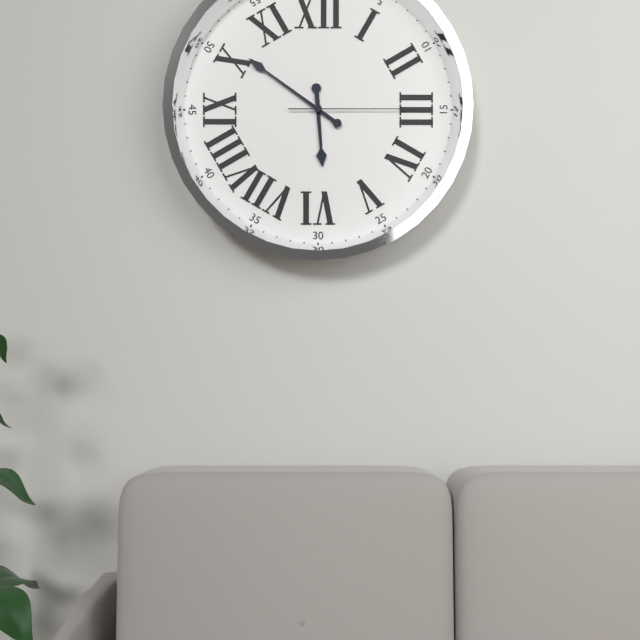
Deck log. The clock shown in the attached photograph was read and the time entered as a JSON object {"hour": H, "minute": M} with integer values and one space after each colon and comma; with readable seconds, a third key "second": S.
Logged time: {"hour": 5, "minute": 51, "second": 15}
